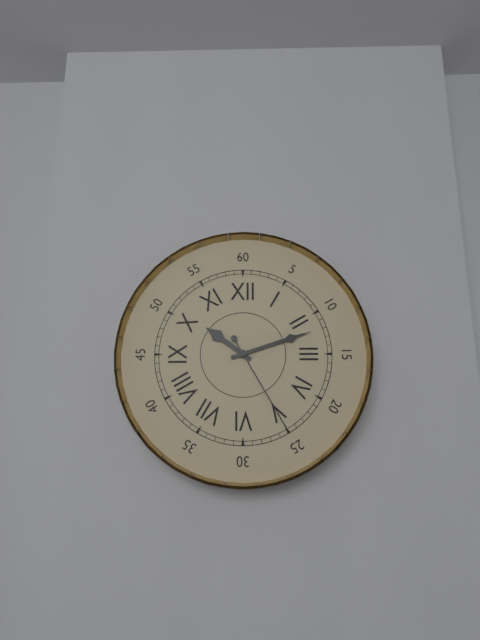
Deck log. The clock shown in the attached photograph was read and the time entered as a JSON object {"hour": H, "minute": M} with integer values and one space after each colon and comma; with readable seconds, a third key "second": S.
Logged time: {"hour": 10, "minute": 12, "second": 25}
